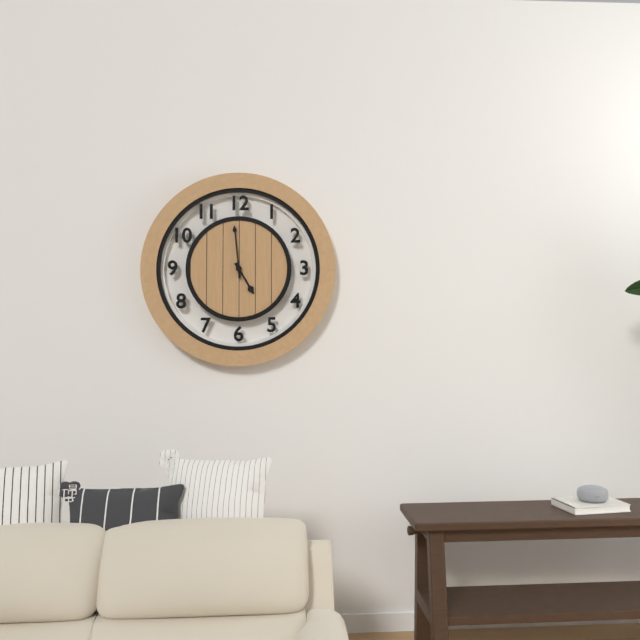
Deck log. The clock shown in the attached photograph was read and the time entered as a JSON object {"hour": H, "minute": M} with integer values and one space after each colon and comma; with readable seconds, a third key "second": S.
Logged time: {"hour": 4, "minute": 59}
